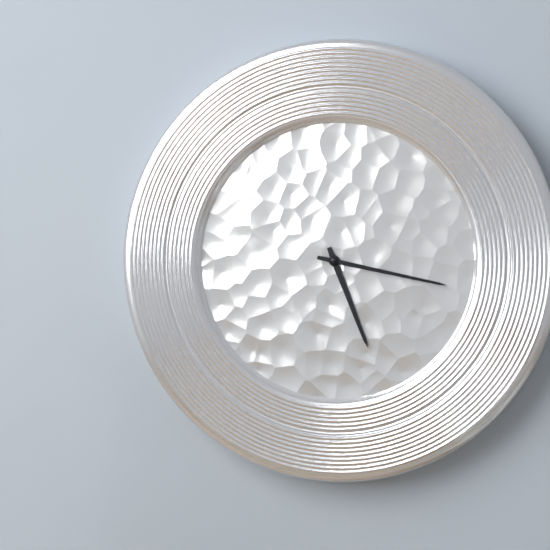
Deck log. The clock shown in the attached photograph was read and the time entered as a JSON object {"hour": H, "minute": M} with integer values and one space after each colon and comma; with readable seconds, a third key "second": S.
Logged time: {"hour": 5, "minute": 17}
